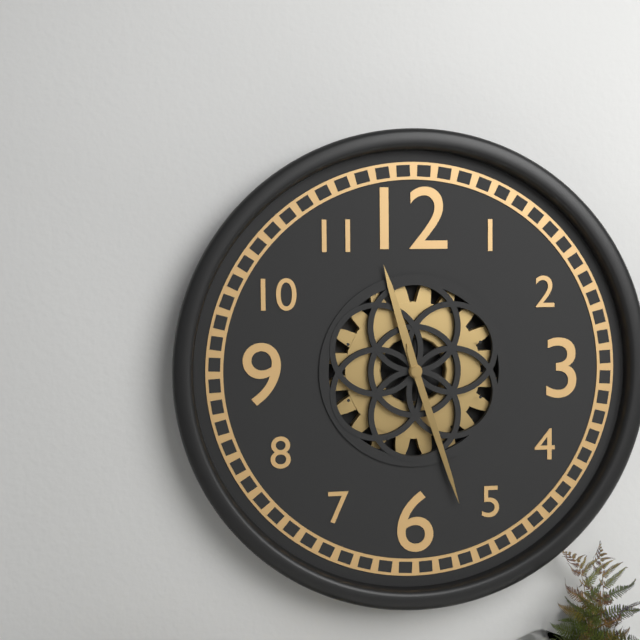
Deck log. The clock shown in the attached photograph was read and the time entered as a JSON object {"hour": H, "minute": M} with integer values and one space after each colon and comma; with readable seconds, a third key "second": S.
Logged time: {"hour": 11, "minute": 27}
